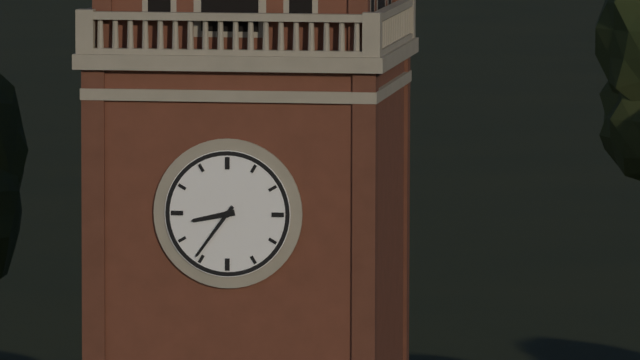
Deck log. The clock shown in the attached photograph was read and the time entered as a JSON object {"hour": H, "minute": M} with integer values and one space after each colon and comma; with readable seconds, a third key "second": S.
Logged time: {"hour": 8, "minute": 36}
